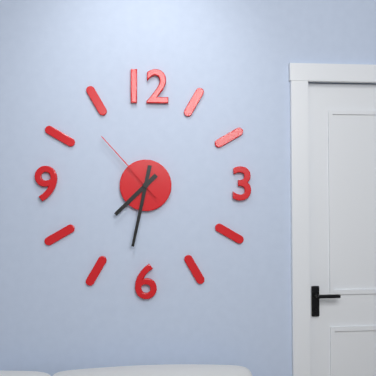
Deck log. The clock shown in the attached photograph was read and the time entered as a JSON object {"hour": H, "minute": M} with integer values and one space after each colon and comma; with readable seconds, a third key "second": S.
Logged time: {"hour": 7, "minute": 32, "second": 53}
